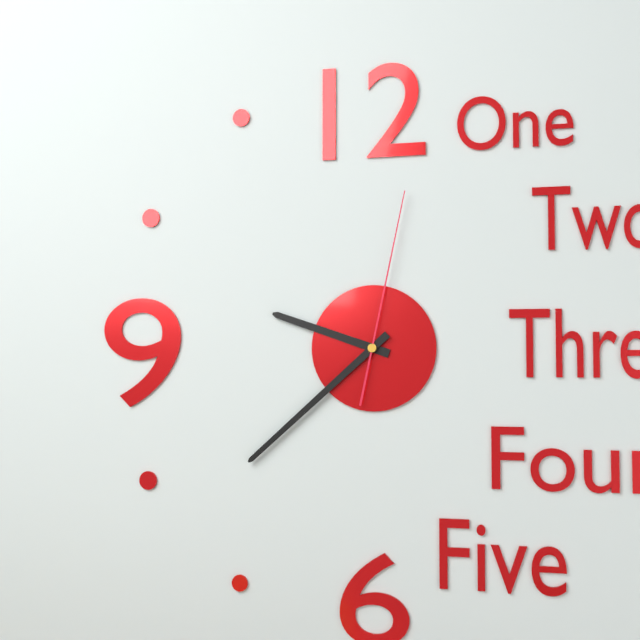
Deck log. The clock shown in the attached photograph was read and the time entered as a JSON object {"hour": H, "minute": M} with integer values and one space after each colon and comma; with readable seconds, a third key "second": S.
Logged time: {"hour": 9, "minute": 38, "second": 2}
